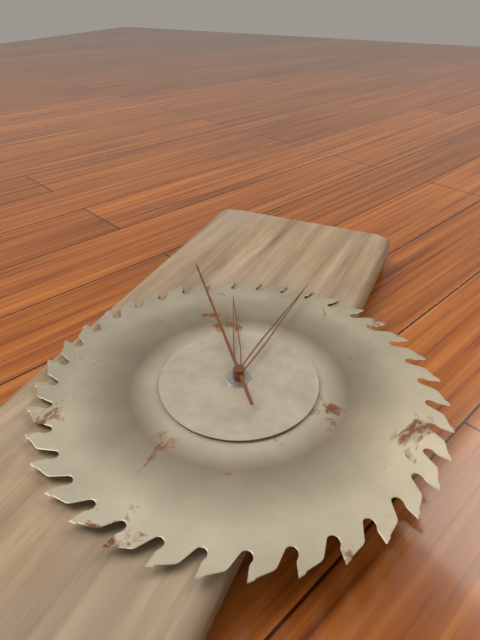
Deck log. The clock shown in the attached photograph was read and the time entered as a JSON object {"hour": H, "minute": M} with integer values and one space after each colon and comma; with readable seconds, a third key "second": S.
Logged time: {"hour": 11, "minute": 0, "second": 53}
